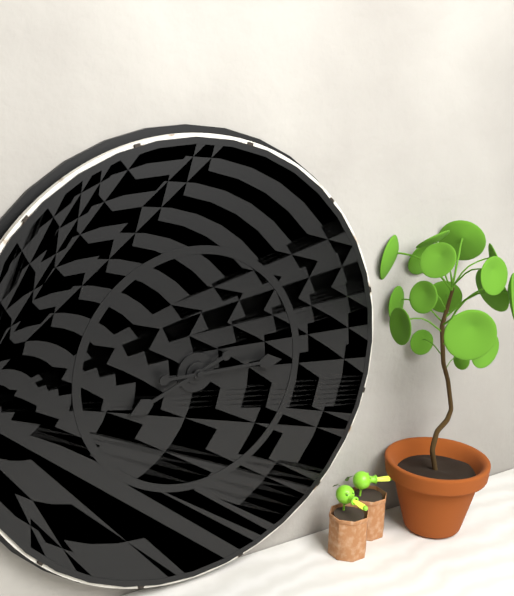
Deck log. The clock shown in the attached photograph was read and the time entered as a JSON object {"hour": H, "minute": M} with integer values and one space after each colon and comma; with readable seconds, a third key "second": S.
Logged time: {"hour": 8, "minute": 15}
